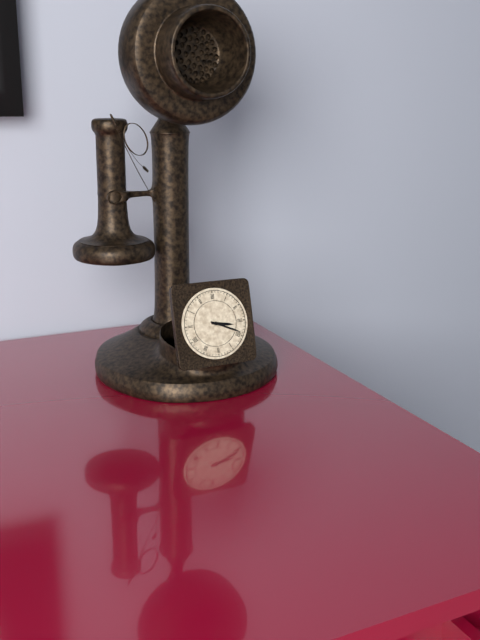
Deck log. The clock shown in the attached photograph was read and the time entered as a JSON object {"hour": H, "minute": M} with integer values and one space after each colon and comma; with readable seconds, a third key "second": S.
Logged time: {"hour": 3, "minute": 19}
